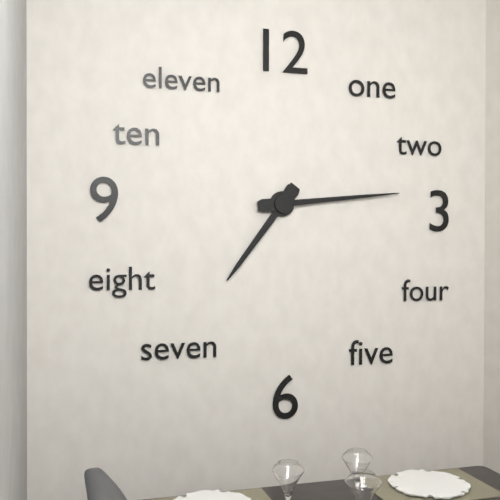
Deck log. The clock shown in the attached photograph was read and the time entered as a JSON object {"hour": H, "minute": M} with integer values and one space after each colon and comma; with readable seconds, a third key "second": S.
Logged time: {"hour": 7, "minute": 14}
